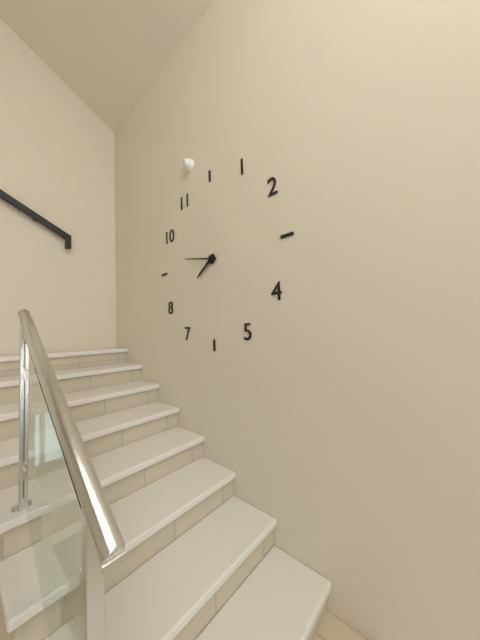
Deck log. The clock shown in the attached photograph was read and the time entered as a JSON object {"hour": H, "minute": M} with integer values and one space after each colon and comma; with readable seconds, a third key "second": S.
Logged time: {"hour": 7, "minute": 47}
